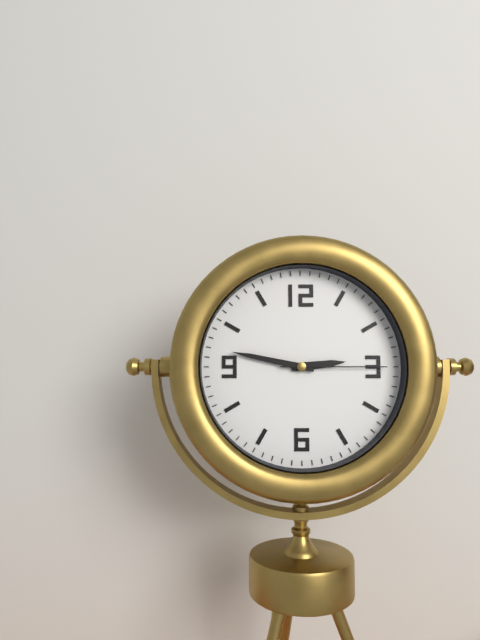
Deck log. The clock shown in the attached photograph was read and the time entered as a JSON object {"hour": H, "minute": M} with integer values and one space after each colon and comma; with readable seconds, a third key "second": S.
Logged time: {"hour": 2, "minute": 47, "second": 15}
